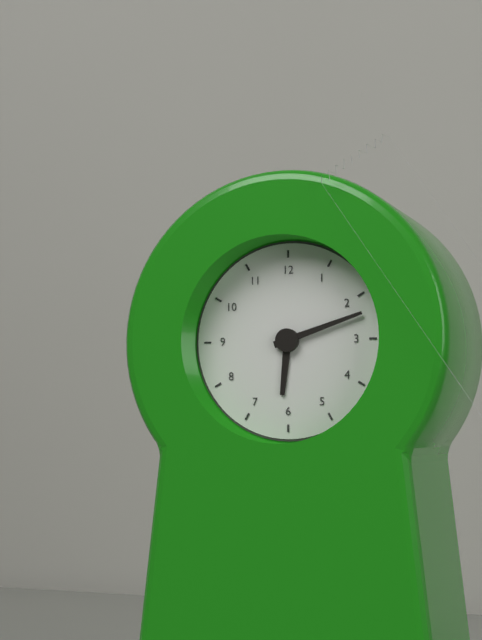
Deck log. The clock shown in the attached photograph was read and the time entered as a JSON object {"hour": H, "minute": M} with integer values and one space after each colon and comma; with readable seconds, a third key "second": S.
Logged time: {"hour": 6, "minute": 12}
